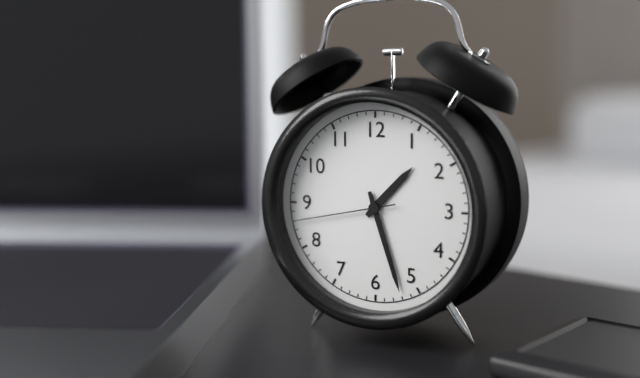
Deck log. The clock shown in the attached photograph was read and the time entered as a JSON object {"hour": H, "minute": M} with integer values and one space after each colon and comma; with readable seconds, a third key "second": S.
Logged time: {"hour": 1, "minute": 27, "second": 43}
